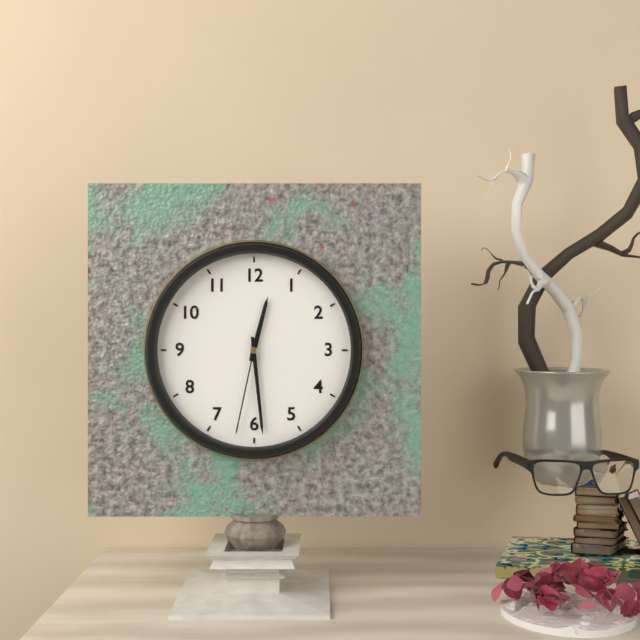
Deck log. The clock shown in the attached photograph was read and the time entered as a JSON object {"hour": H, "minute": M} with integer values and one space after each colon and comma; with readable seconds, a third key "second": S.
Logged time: {"hour": 12, "minute": 29, "second": 32}
